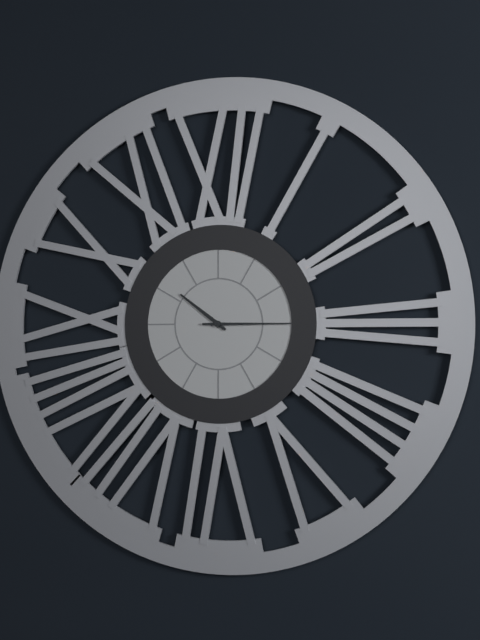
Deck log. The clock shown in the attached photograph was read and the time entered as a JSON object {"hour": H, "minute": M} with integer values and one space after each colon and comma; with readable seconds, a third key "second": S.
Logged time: {"hour": 10, "minute": 15}
